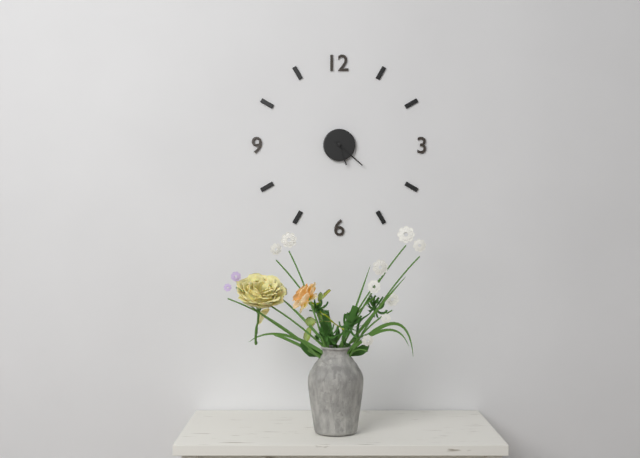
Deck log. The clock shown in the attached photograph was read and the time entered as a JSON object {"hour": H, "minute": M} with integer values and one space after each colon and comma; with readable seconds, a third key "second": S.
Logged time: {"hour": 5, "minute": 22}
